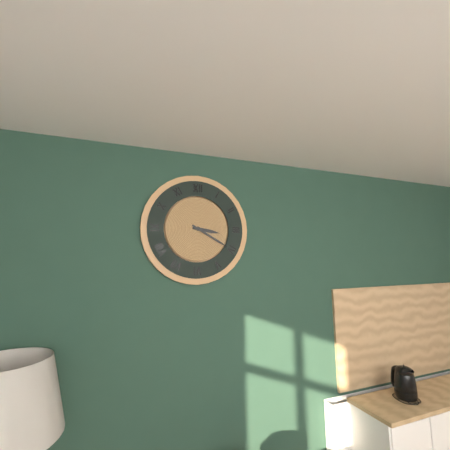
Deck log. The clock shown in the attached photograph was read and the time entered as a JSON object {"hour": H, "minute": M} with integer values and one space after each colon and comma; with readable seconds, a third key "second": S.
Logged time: {"hour": 3, "minute": 20}
